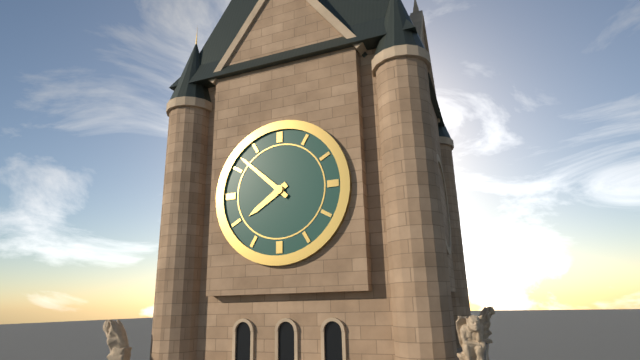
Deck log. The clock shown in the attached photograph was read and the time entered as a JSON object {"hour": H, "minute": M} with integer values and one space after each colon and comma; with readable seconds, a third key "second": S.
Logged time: {"hour": 7, "minute": 52}
